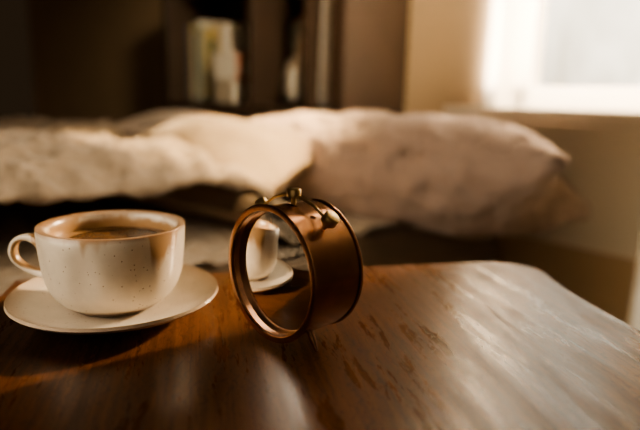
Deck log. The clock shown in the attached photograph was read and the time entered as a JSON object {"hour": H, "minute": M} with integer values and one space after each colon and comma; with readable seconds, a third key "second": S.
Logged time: {"hour": 8, "minute": 19, "second": 59}
